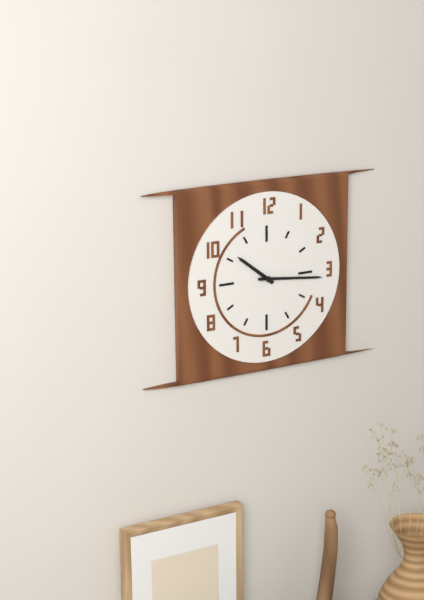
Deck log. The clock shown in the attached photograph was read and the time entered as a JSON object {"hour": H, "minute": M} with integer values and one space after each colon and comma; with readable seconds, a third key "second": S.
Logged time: {"hour": 10, "minute": 16}
